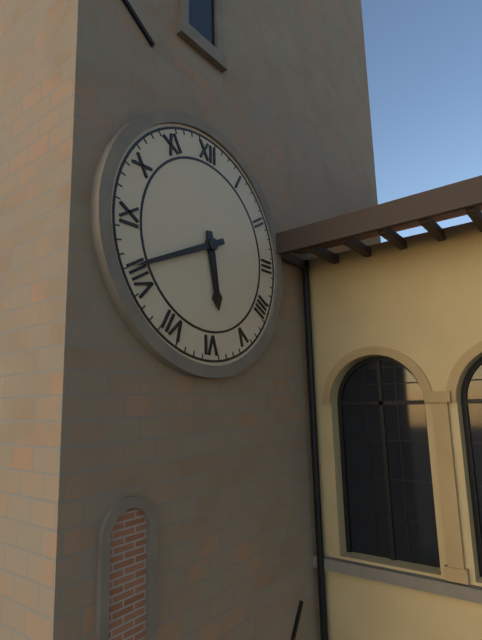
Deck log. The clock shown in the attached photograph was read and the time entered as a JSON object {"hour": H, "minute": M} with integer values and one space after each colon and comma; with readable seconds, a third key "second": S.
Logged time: {"hour": 5, "minute": 41}
